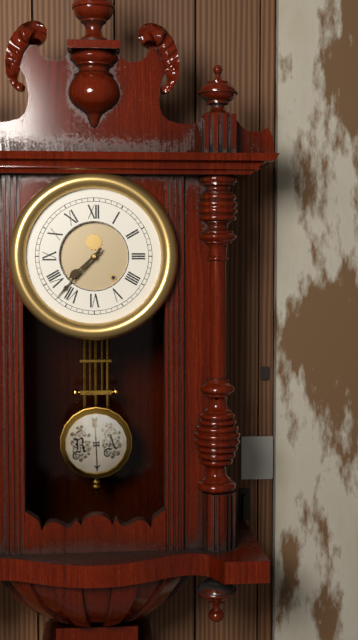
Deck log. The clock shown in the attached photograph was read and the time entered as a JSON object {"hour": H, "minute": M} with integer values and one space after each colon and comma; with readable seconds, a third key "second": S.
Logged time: {"hour": 7, "minute": 37}
